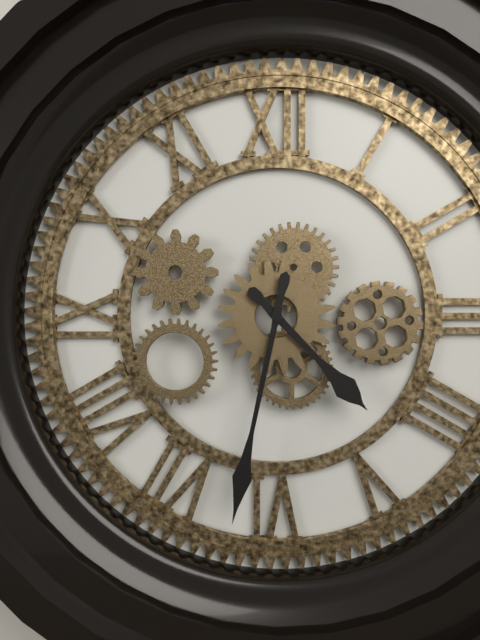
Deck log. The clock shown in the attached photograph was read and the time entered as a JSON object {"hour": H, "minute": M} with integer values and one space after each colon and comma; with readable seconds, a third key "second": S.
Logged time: {"hour": 4, "minute": 32}
